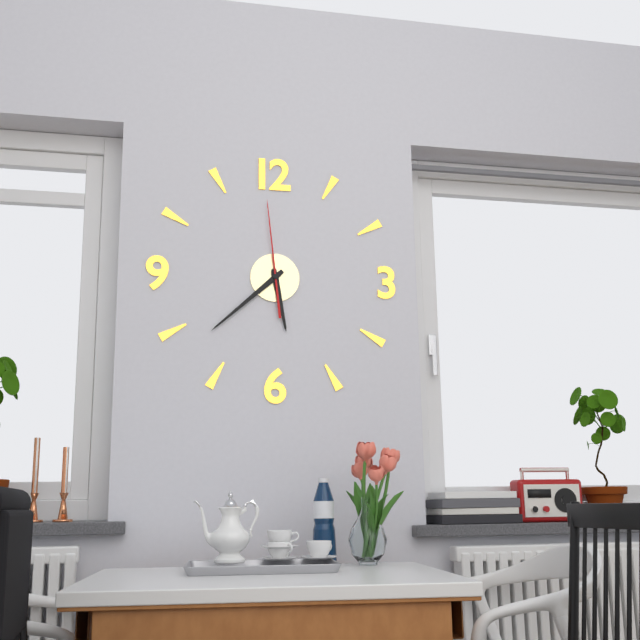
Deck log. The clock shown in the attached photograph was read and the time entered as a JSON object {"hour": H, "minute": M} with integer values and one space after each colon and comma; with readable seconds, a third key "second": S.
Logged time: {"hour": 5, "minute": 38, "second": 59}
